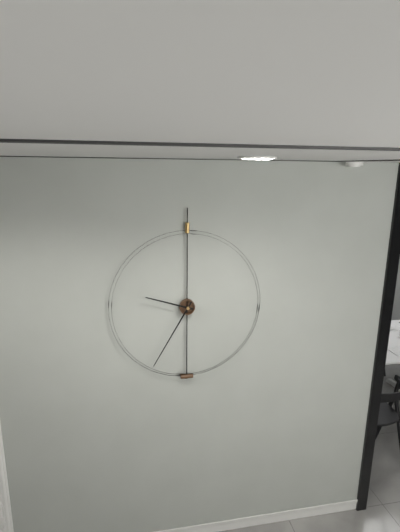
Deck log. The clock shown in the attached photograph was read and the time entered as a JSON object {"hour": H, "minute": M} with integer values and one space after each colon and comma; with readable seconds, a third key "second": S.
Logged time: {"hour": 9, "minute": 35}
